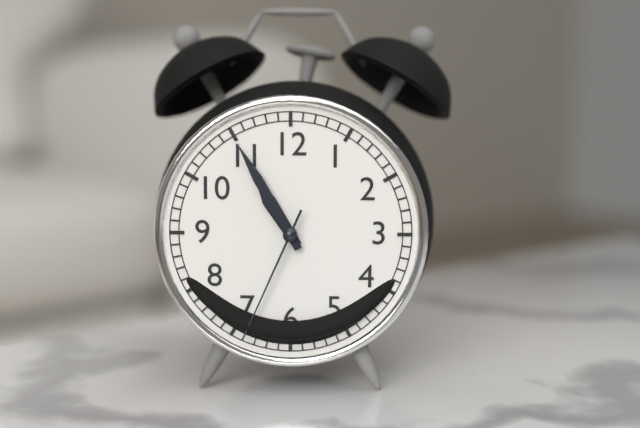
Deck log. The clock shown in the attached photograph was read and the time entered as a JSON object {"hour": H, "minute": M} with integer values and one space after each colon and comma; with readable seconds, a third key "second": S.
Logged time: {"hour": 10, "minute": 55, "second": 34}
